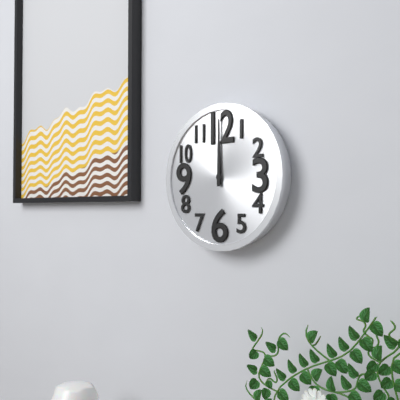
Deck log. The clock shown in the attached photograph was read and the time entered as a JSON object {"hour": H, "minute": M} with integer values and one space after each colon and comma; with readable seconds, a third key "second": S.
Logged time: {"hour": 12, "minute": 0}
